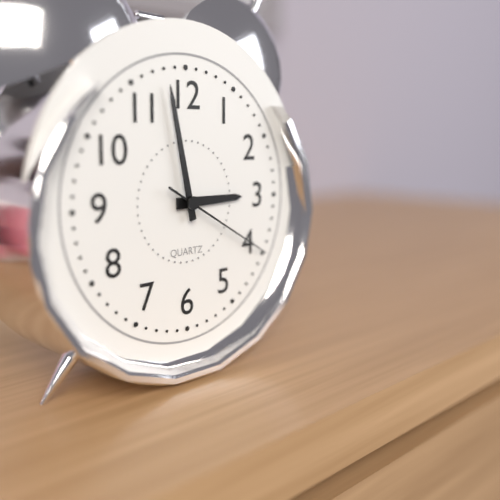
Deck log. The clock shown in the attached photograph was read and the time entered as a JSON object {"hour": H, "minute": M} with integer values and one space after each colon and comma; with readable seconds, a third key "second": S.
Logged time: {"hour": 2, "minute": 58, "second": 20}
